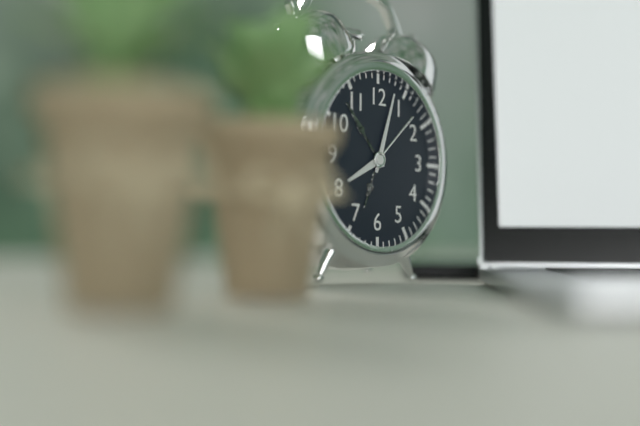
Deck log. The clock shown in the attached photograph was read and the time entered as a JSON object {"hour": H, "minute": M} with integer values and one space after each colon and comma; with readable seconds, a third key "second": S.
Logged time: {"hour": 8, "minute": 3}
